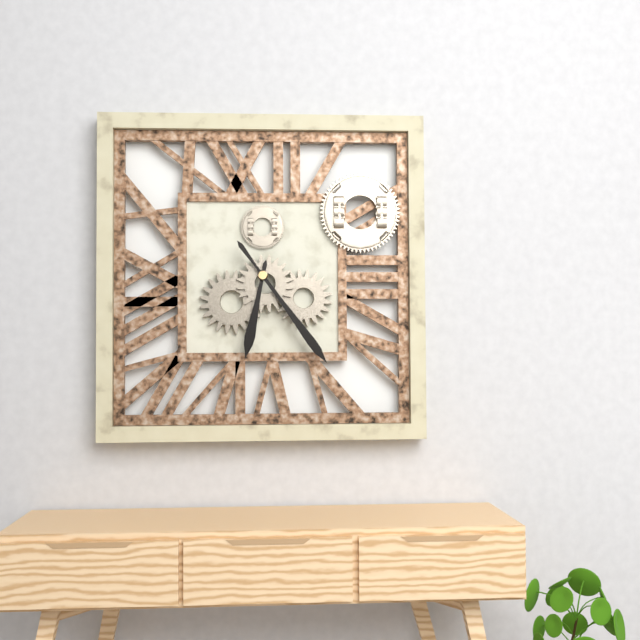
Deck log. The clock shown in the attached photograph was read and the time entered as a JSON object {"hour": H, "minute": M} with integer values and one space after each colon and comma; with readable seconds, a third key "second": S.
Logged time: {"hour": 6, "minute": 24}
